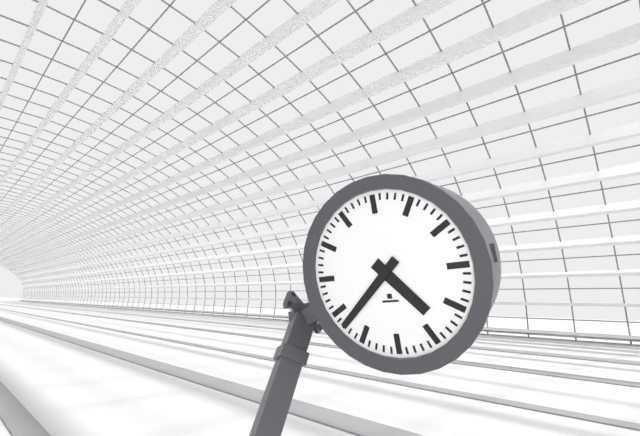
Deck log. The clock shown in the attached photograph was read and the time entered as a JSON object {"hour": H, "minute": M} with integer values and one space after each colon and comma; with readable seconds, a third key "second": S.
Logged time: {"hour": 4, "minute": 38}
